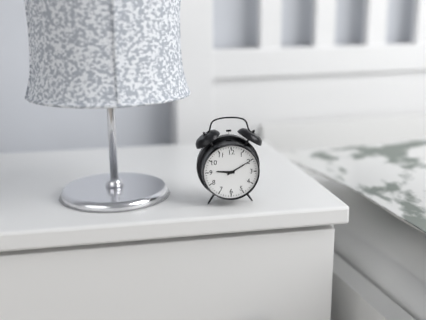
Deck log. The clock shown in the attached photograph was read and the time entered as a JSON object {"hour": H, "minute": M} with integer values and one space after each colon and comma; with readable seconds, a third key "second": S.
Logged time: {"hour": 9, "minute": 10}
